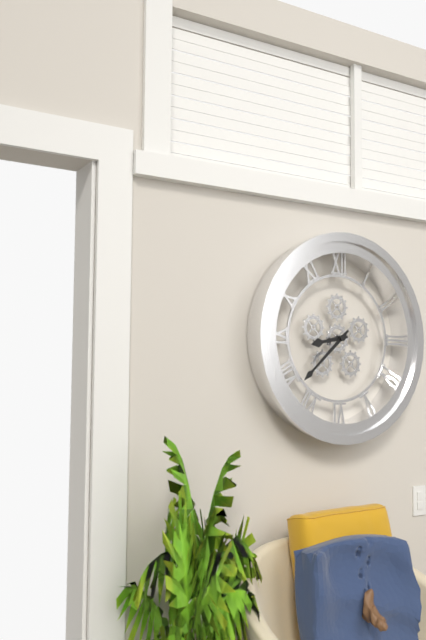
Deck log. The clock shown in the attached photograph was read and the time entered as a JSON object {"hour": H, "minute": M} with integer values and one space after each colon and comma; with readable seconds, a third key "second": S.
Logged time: {"hour": 8, "minute": 38}
